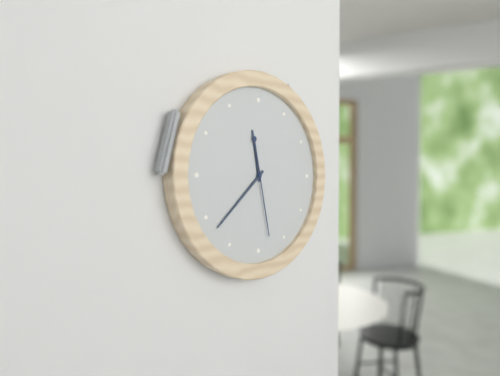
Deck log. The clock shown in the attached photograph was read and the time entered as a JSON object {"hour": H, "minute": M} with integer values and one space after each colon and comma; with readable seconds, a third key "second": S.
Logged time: {"hour": 11, "minute": 38, "second": 28}
